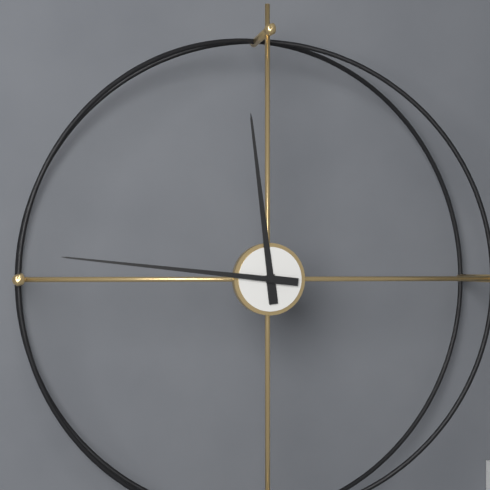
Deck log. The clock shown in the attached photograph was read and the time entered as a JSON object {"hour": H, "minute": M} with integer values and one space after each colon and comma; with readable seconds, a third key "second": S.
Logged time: {"hour": 11, "minute": 46}
